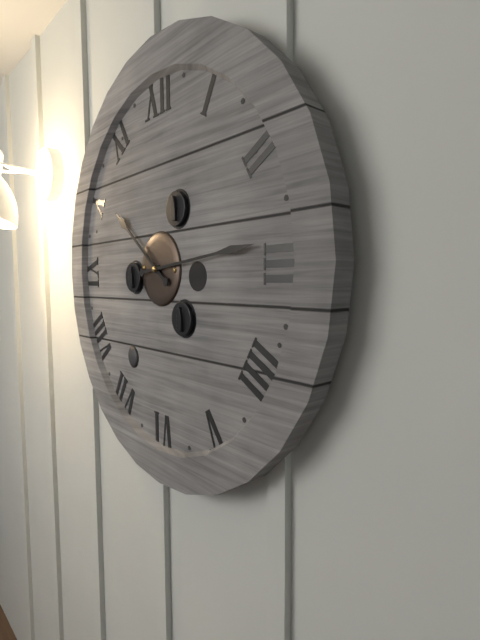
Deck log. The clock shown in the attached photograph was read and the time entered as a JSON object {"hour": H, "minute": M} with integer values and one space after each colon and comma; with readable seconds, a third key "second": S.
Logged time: {"hour": 10, "minute": 14}
